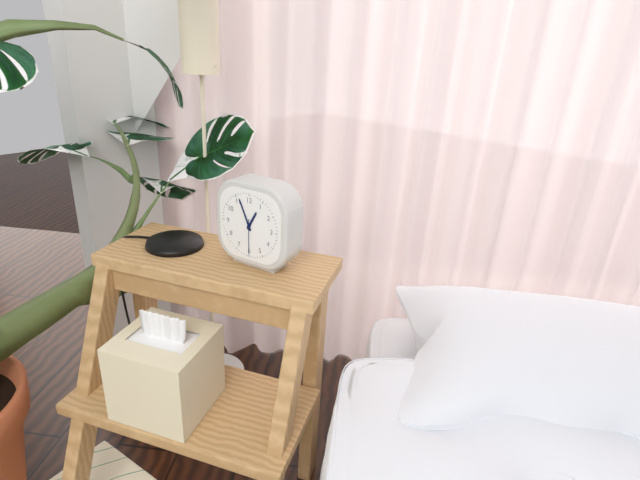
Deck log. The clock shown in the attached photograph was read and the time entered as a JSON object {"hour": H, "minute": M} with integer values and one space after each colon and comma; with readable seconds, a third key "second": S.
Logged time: {"hour": 12, "minute": 56}
